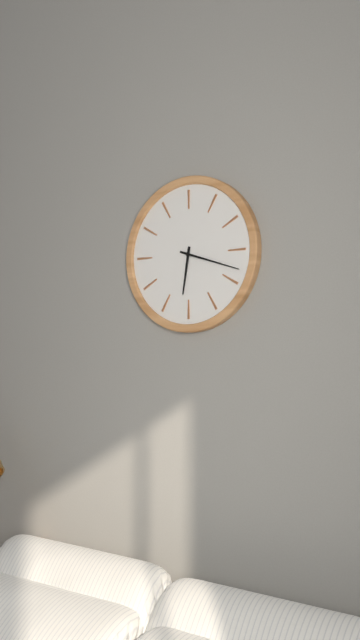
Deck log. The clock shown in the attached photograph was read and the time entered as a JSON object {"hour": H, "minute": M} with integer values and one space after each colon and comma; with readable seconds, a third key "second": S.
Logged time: {"hour": 6, "minute": 18}
